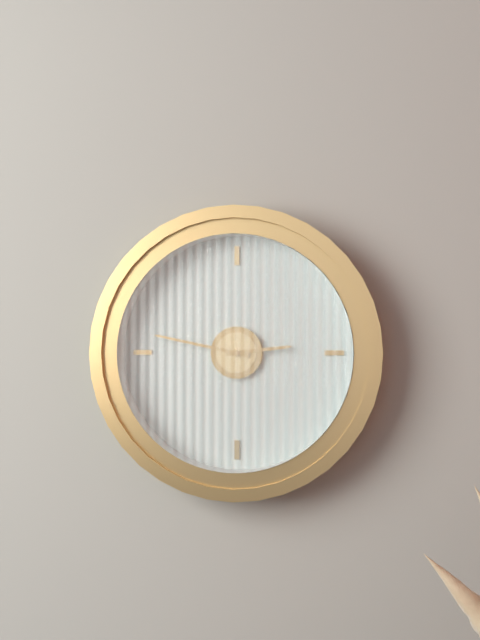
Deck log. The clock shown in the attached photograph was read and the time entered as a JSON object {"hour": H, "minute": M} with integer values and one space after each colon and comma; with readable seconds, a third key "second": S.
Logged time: {"hour": 2, "minute": 47}
